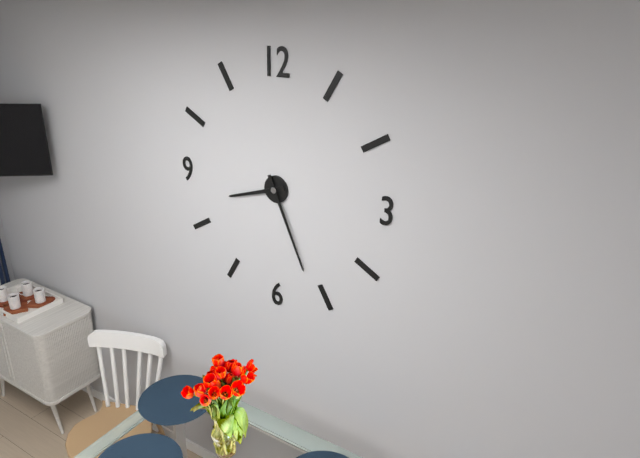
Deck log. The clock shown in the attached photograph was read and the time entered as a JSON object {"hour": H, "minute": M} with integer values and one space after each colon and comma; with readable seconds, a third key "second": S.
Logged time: {"hour": 8, "minute": 26}
